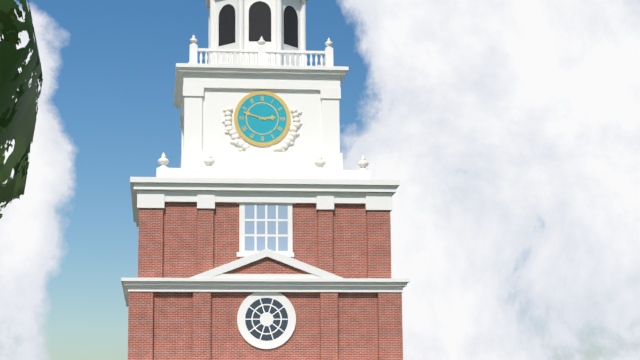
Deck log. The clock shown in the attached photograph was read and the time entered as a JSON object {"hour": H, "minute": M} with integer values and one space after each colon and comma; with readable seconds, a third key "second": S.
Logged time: {"hour": 2, "minute": 48}
